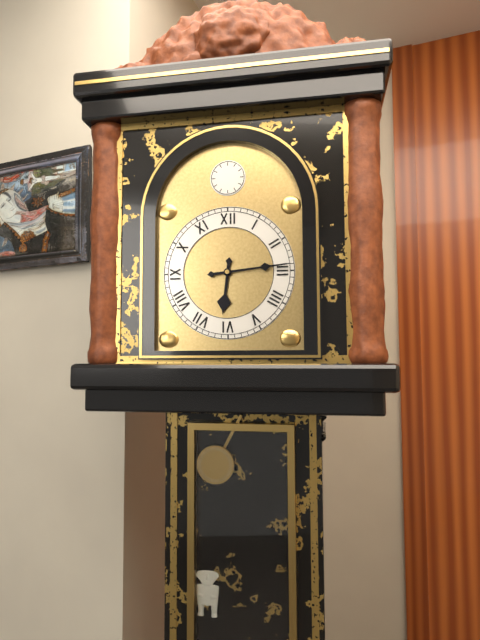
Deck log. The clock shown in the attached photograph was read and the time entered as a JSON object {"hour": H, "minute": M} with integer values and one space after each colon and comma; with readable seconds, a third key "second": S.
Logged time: {"hour": 6, "minute": 14}
